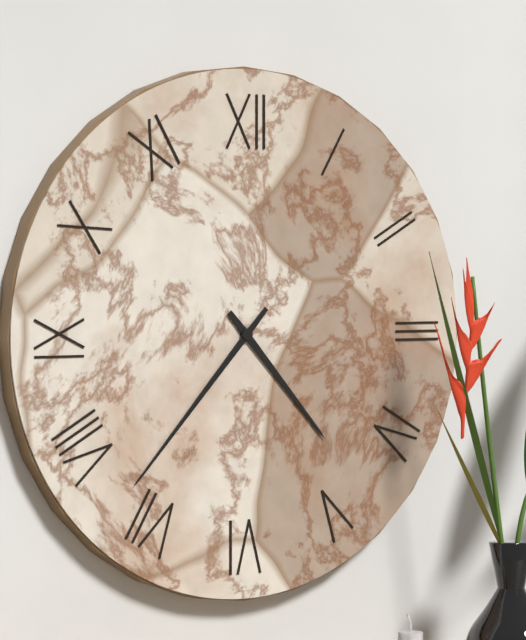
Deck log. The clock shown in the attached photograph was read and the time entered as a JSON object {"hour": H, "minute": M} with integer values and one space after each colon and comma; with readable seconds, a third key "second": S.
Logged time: {"hour": 4, "minute": 37}
